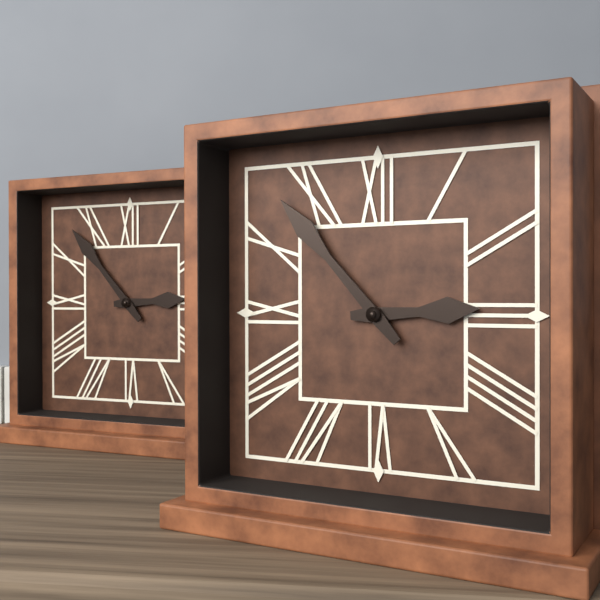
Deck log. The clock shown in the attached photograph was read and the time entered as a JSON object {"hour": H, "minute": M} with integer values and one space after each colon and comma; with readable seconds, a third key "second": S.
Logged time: {"hour": 2, "minute": 53}
